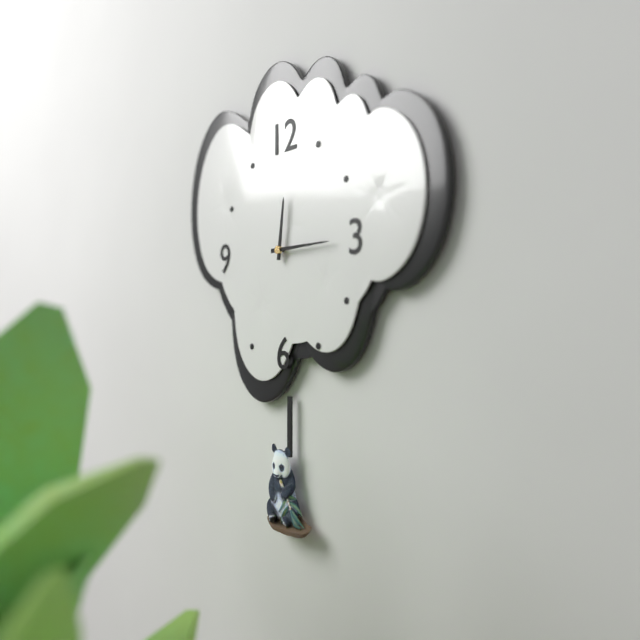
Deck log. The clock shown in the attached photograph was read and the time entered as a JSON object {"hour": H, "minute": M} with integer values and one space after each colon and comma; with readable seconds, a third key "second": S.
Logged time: {"hour": 12, "minute": 15}
